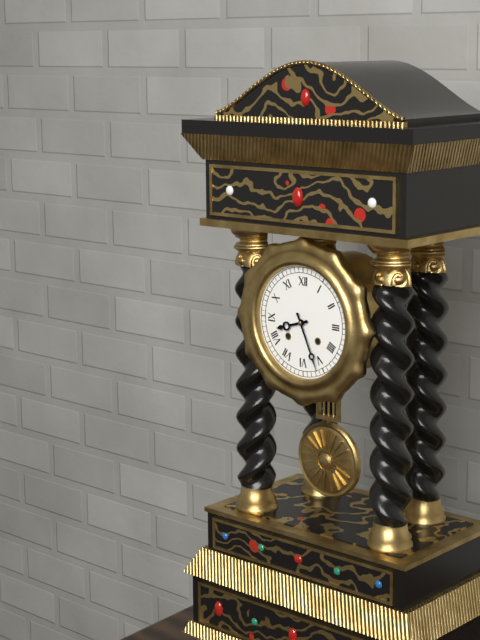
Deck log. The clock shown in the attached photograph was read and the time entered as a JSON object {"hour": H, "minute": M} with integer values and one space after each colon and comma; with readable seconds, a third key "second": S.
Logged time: {"hour": 8, "minute": 26}
